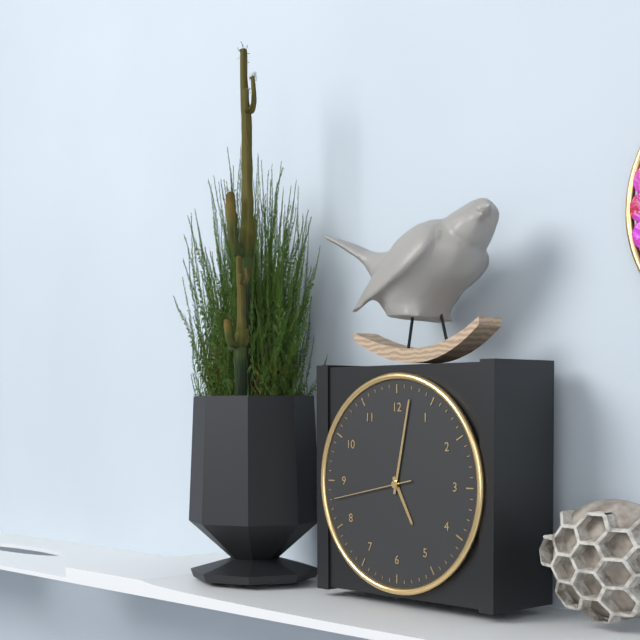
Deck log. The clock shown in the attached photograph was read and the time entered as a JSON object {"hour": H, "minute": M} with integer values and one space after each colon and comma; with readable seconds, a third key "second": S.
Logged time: {"hour": 5, "minute": 2, "second": 43}
